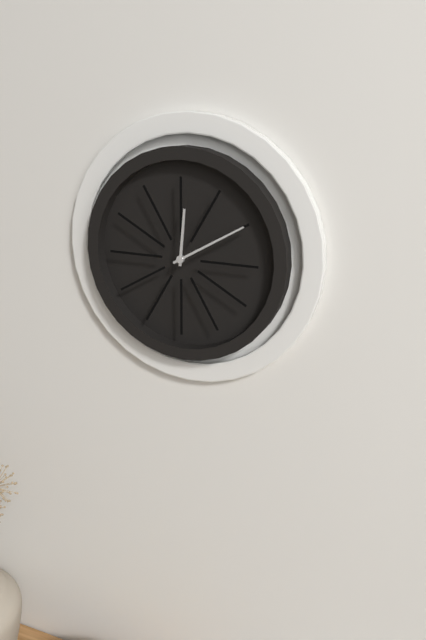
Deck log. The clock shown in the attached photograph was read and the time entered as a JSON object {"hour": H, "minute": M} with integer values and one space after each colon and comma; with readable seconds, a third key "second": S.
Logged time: {"hour": 12, "minute": 10}
